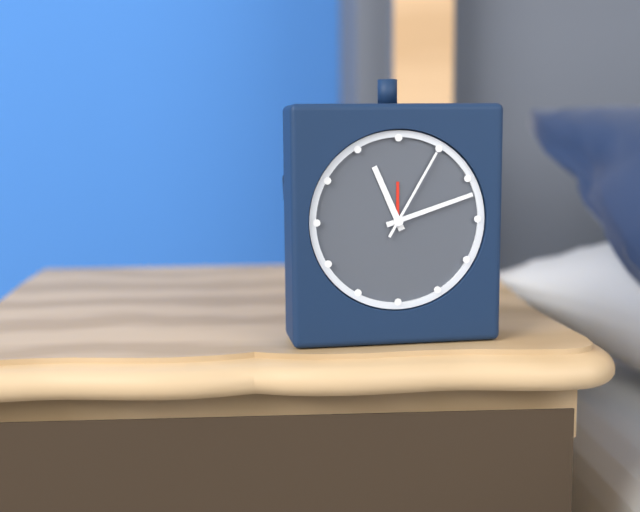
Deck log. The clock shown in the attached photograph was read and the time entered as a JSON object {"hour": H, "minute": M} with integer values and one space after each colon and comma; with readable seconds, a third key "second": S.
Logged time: {"hour": 11, "minute": 12, "second": 5}
